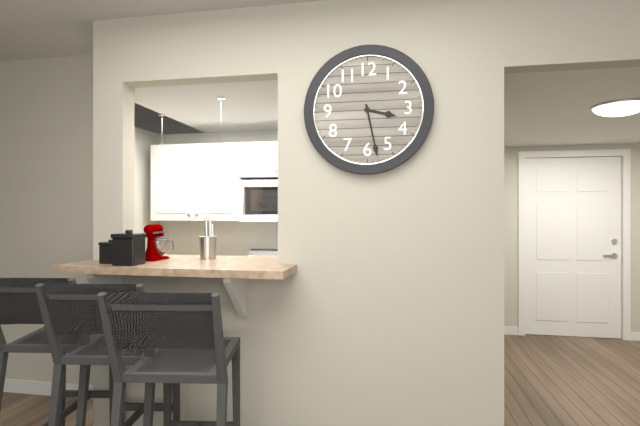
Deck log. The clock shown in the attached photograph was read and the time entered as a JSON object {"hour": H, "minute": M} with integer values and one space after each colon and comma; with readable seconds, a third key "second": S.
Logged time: {"hour": 3, "minute": 28}
